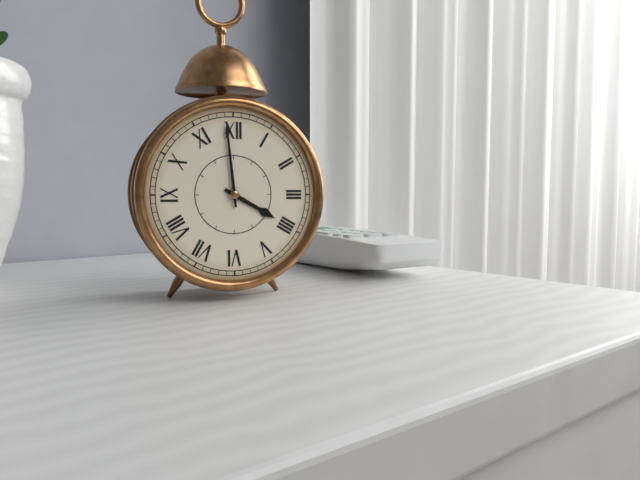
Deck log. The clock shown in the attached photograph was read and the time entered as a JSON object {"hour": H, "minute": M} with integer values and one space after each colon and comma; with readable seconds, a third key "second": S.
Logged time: {"hour": 3, "minute": 59}
